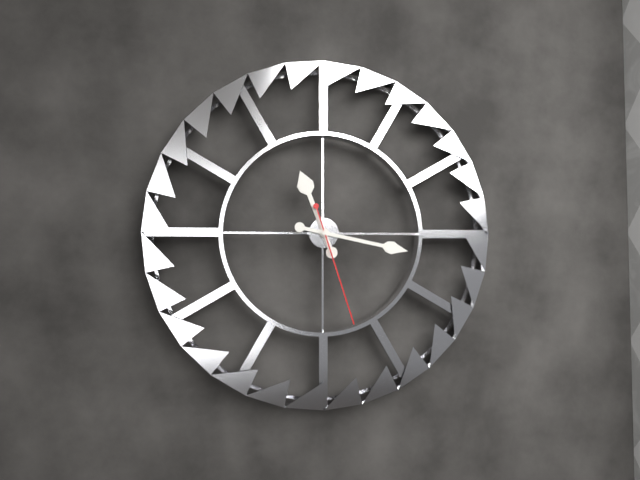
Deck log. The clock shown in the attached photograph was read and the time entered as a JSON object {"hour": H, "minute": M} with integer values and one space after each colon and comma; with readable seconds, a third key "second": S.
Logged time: {"hour": 11, "minute": 17, "second": 27}
